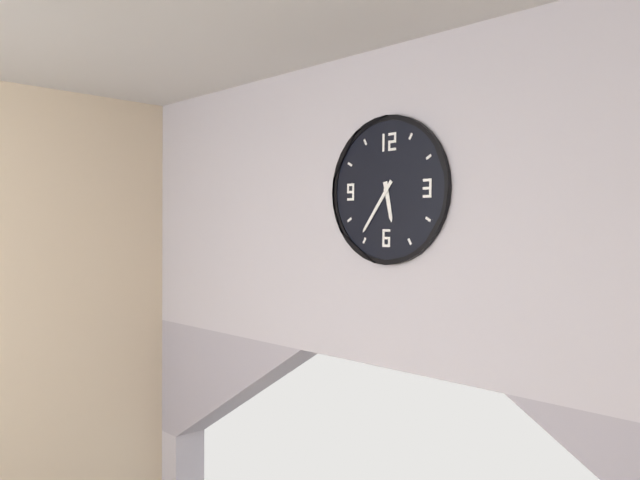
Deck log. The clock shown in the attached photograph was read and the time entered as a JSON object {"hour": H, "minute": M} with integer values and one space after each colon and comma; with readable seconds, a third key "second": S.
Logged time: {"hour": 5, "minute": 36}
